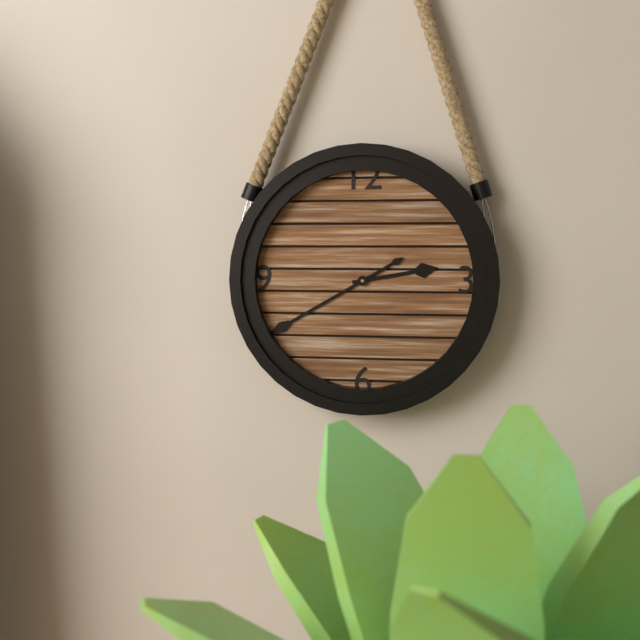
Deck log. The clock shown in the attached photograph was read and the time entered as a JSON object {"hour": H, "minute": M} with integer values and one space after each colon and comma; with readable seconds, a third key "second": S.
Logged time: {"hour": 2, "minute": 40}
